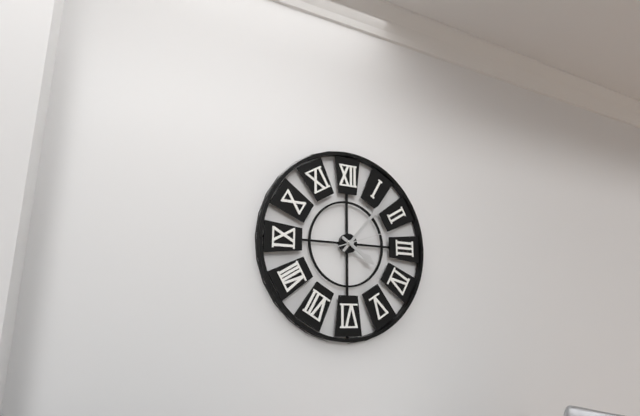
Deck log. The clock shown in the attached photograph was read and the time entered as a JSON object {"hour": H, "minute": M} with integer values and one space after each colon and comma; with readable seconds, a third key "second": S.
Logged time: {"hour": 4, "minute": 7, "second": 12}
